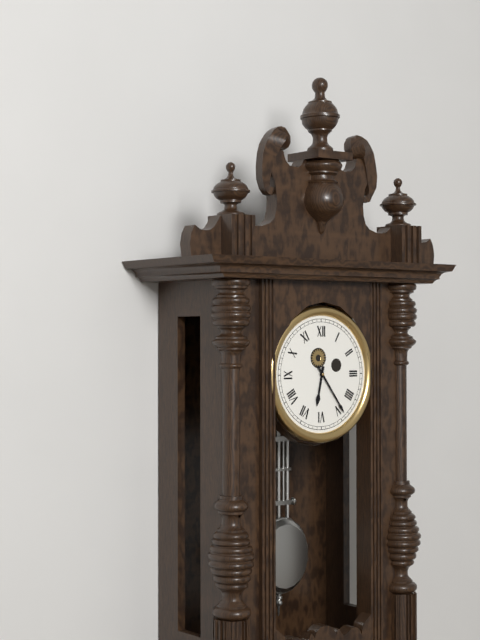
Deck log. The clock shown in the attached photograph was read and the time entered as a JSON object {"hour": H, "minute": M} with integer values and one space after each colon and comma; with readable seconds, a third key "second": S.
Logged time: {"hour": 6, "minute": 24}
